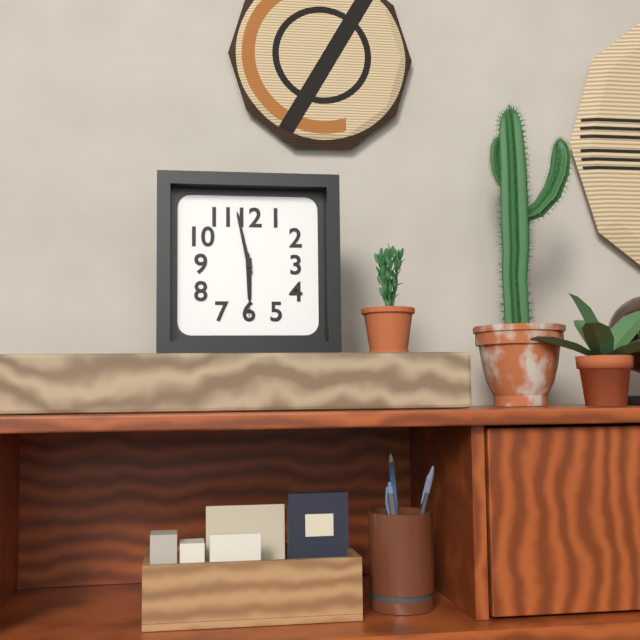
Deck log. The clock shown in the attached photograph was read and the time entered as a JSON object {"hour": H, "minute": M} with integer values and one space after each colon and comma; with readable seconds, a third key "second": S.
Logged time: {"hour": 5, "minute": 58, "second": 30}
